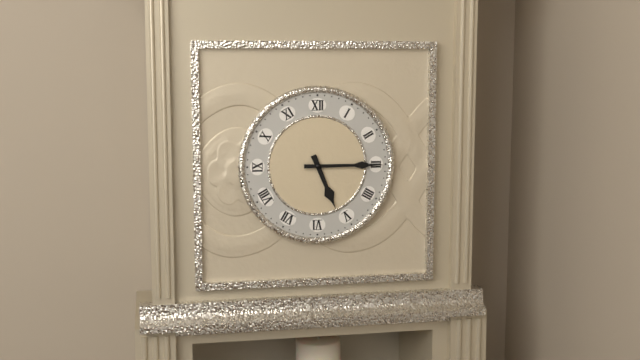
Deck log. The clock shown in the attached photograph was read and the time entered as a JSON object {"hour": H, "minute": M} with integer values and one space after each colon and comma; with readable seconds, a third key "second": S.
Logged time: {"hour": 5, "minute": 15}
